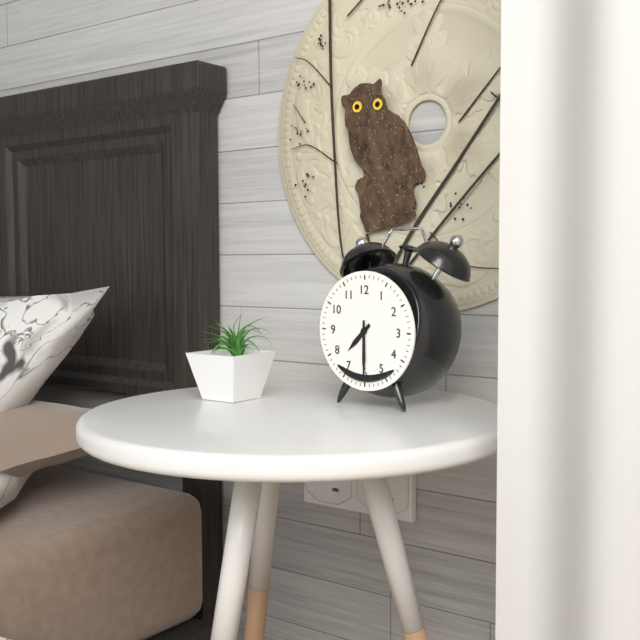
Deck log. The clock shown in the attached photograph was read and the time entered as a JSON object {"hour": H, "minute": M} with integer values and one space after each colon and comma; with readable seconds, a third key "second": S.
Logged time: {"hour": 7, "minute": 30}
